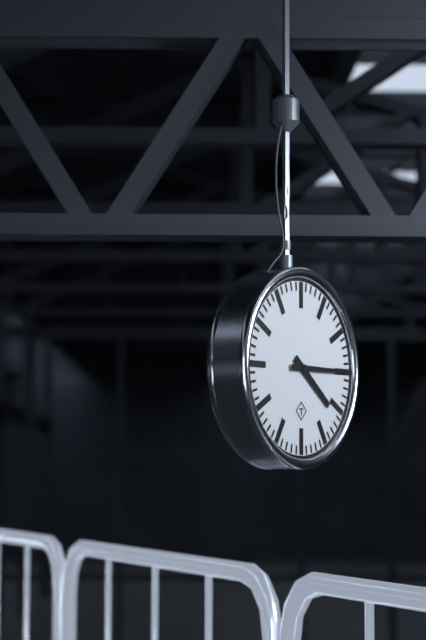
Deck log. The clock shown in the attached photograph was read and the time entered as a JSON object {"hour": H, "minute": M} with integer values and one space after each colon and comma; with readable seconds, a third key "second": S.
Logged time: {"hour": 4, "minute": 15}
